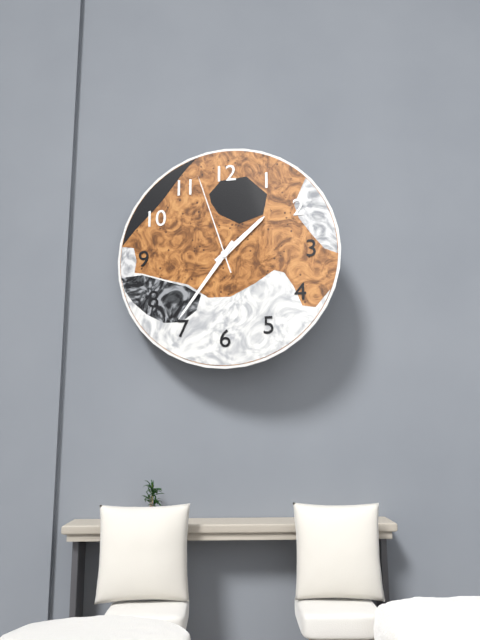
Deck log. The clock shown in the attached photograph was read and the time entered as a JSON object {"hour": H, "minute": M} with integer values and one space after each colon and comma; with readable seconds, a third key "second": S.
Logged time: {"hour": 1, "minute": 36, "second": 57}
